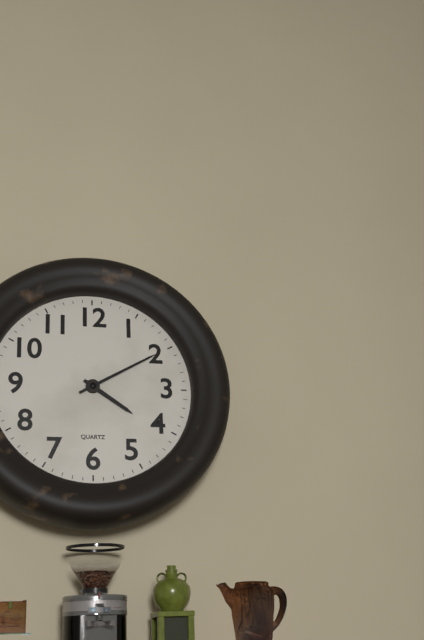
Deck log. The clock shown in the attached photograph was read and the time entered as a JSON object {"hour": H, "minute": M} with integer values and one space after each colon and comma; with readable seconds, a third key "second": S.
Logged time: {"hour": 4, "minute": 10}
